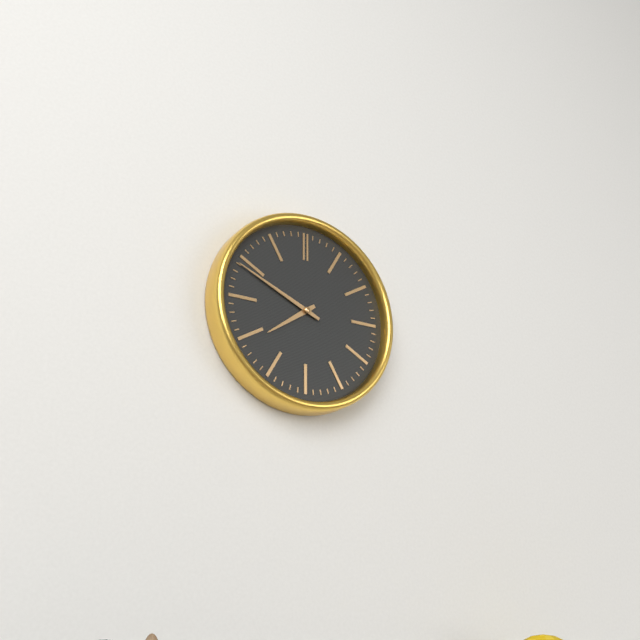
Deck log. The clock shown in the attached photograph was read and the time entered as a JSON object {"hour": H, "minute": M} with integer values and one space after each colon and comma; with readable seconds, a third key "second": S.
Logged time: {"hour": 7, "minute": 49}
